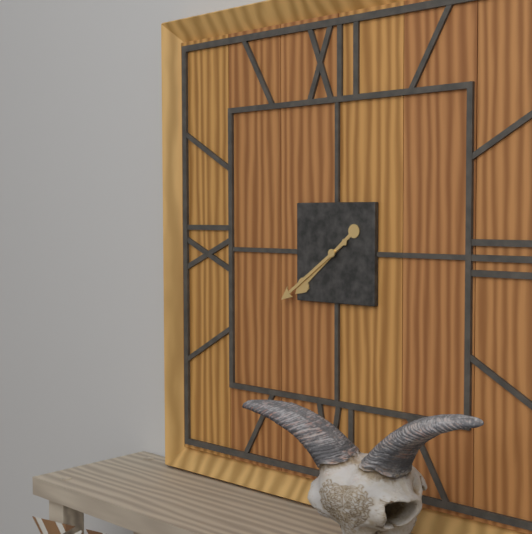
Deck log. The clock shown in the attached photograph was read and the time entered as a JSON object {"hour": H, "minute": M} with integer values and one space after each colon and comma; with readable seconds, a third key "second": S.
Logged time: {"hour": 7, "minute": 39}
